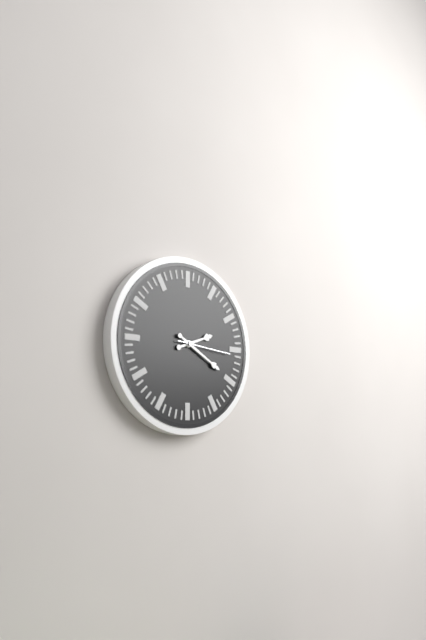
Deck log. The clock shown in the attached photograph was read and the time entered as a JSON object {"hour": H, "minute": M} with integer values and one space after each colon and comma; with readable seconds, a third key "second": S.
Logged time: {"hour": 2, "minute": 20, "second": 16}
